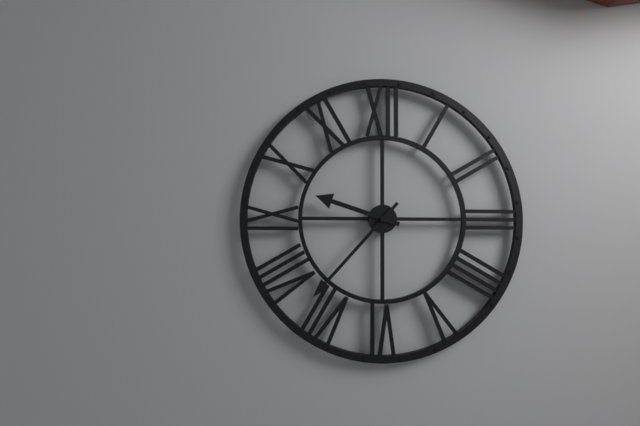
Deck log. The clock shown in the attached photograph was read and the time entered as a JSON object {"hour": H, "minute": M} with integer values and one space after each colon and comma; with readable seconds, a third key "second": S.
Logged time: {"hour": 9, "minute": 37}
